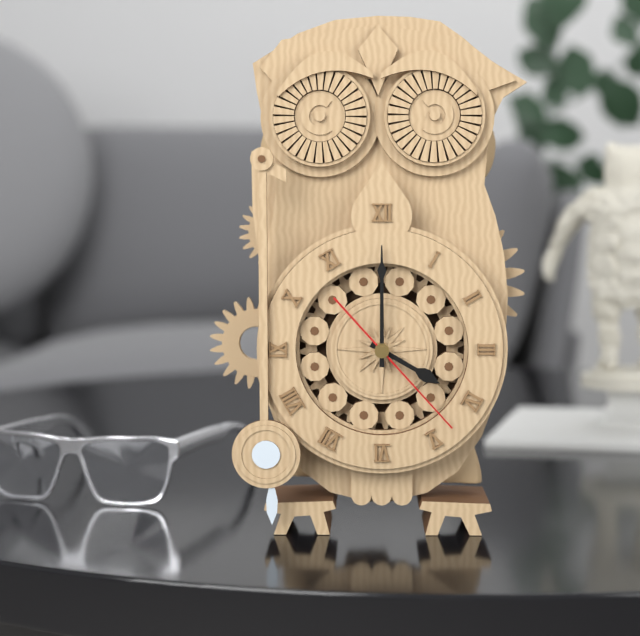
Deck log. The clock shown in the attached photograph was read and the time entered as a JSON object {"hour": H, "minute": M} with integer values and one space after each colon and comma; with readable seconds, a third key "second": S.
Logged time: {"hour": 4, "minute": 0, "second": 23}
